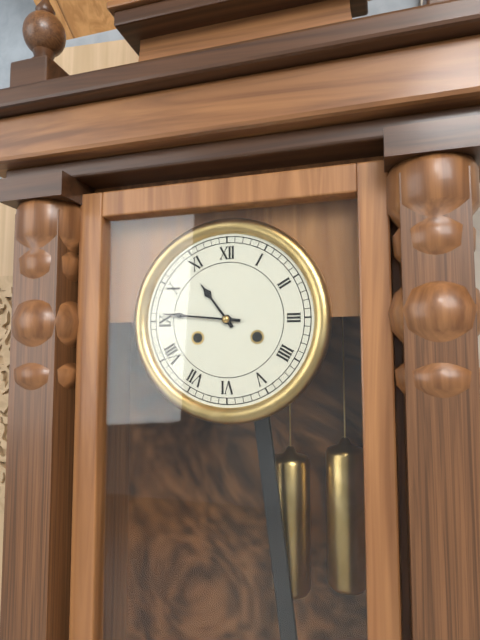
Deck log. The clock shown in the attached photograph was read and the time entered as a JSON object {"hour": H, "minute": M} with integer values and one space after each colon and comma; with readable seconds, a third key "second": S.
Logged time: {"hour": 10, "minute": 46}
